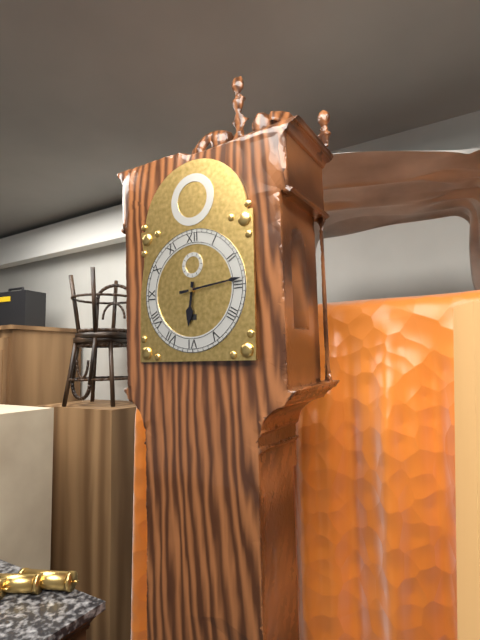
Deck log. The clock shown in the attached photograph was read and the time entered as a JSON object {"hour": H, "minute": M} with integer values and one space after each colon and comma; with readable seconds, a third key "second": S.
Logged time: {"hour": 6, "minute": 14}
